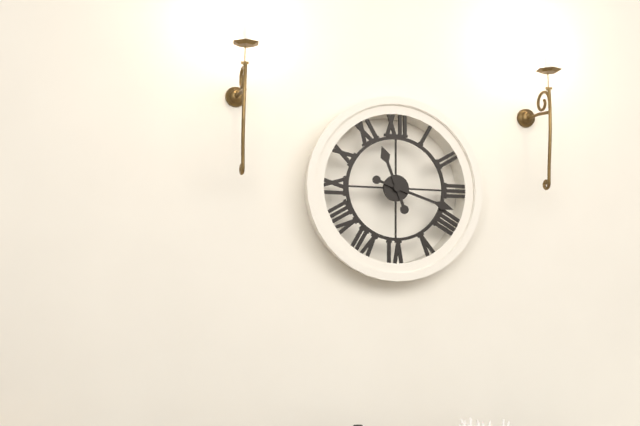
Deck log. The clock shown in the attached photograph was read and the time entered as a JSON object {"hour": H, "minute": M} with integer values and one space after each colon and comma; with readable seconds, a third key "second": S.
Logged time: {"hour": 11, "minute": 18}
